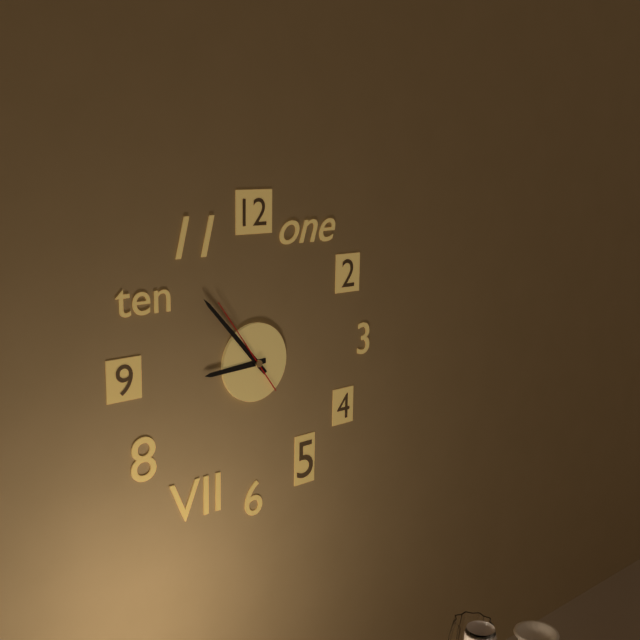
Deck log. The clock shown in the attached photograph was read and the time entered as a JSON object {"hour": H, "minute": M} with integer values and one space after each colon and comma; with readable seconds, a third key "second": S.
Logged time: {"hour": 8, "minute": 53, "second": 54}
